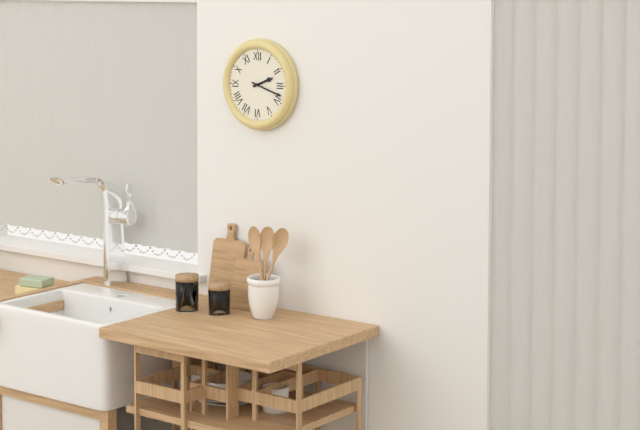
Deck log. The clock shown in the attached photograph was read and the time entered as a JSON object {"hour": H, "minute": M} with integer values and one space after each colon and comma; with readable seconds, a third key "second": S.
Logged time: {"hour": 2, "minute": 18}
